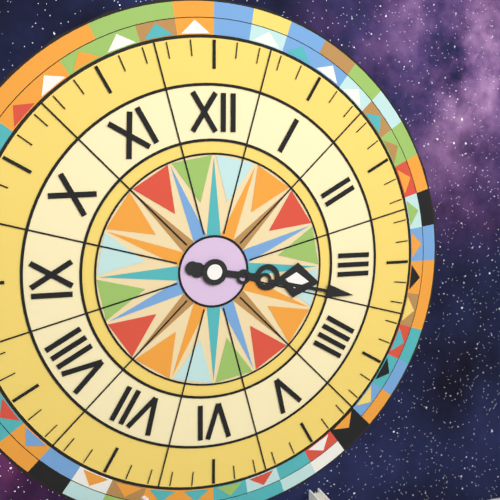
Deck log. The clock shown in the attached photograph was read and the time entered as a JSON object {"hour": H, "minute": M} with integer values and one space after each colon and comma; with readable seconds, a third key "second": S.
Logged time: {"hour": 3, "minute": 17}
